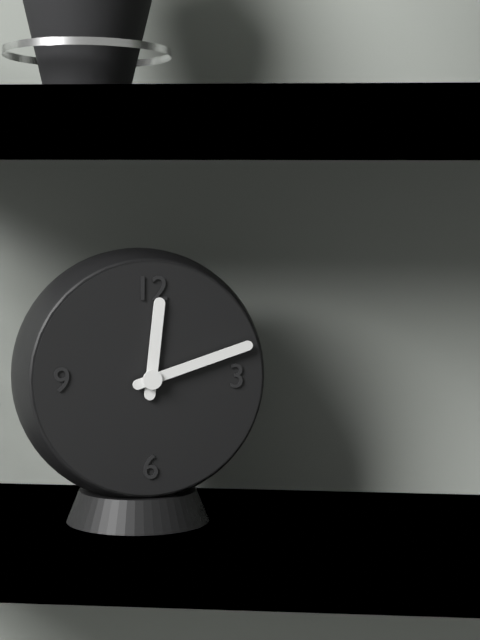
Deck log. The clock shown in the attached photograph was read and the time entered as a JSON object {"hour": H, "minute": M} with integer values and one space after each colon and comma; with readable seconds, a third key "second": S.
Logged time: {"hour": 12, "minute": 12}
